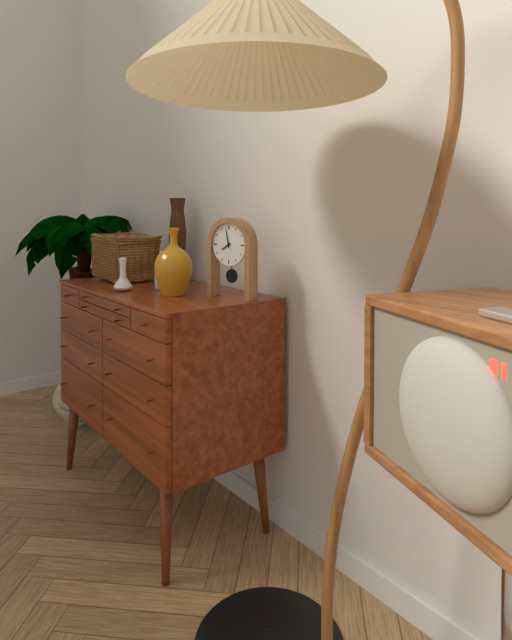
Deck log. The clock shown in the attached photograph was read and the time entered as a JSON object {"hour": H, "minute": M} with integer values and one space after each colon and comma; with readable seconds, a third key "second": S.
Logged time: {"hour": 7, "minute": 58}
